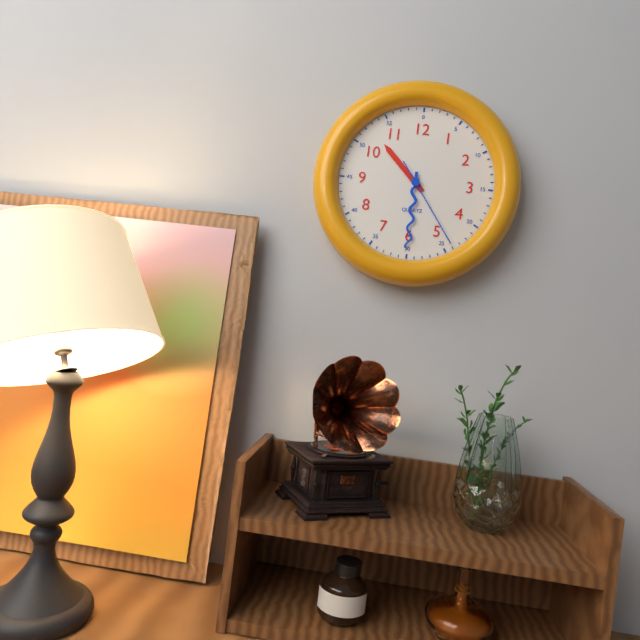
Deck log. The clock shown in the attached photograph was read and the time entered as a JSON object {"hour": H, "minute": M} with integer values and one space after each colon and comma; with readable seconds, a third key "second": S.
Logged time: {"hour": 10, "minute": 30, "second": 24}
